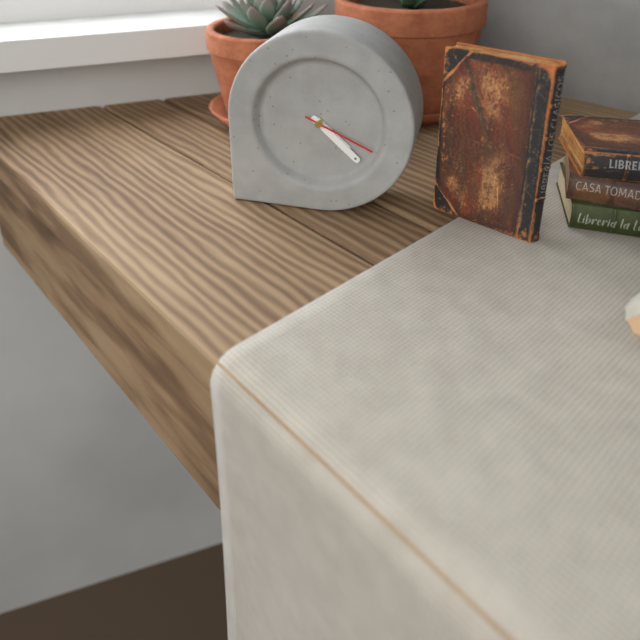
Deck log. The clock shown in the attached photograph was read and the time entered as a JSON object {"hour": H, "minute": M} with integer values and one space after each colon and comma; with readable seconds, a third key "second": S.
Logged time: {"hour": 4, "minute": 22, "second": 19}
